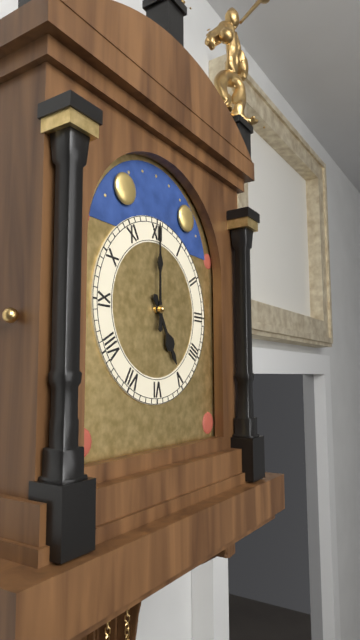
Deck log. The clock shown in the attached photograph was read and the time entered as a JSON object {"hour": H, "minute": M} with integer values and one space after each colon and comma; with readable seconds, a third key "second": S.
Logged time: {"hour": 5, "minute": 0}
